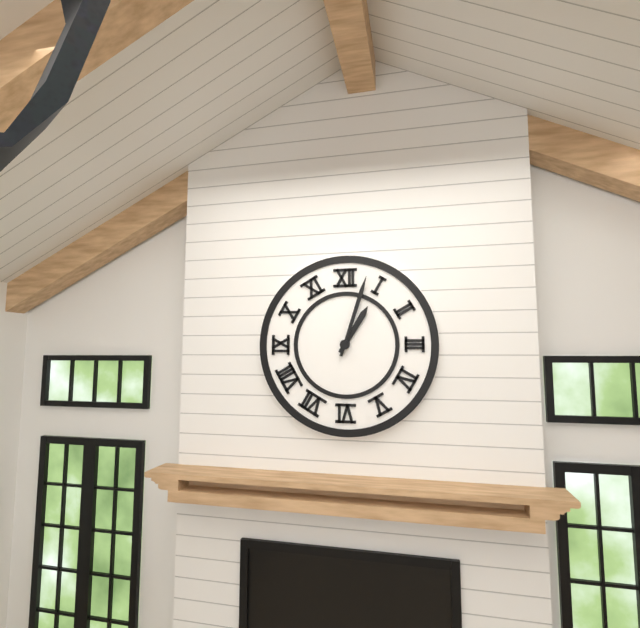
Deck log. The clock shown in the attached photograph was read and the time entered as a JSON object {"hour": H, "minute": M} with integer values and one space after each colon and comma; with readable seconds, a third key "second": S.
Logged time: {"hour": 1, "minute": 3}
